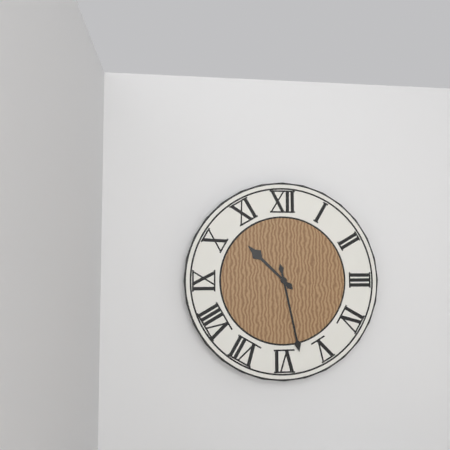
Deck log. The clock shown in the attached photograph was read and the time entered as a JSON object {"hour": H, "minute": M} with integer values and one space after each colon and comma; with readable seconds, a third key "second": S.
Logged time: {"hour": 10, "minute": 28}
